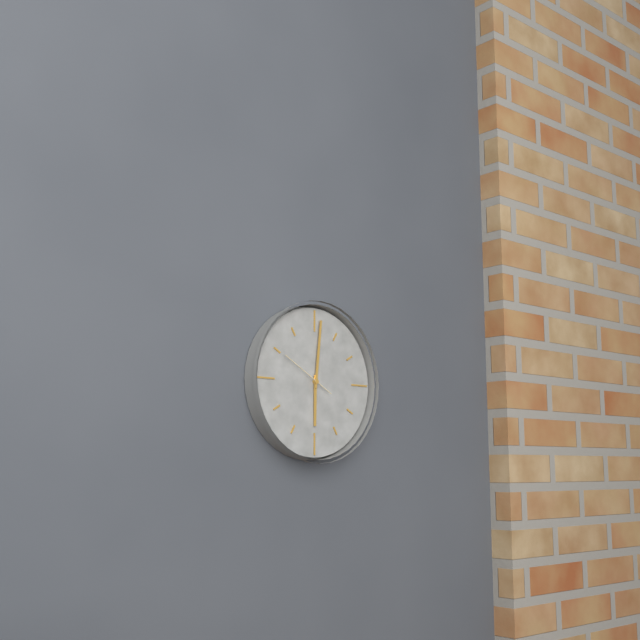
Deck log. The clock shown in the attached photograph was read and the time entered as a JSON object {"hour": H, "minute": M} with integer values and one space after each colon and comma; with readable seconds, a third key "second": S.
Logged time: {"hour": 6, "minute": 1, "second": 50}
